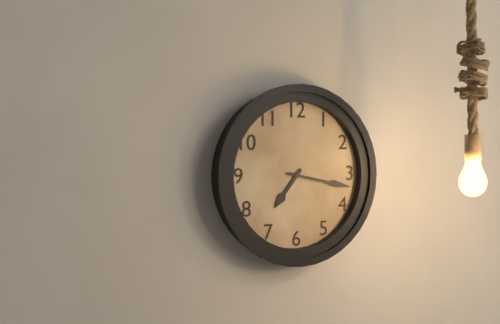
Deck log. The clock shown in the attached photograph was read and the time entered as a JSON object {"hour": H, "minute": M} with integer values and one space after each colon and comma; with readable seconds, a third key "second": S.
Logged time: {"hour": 7, "minute": 17}
